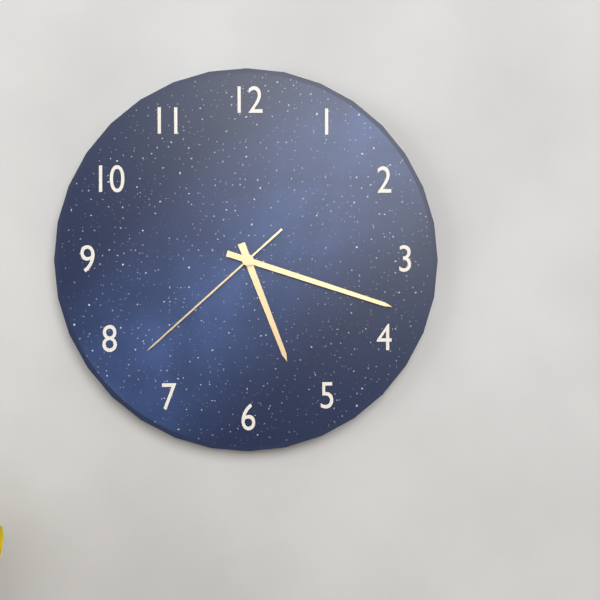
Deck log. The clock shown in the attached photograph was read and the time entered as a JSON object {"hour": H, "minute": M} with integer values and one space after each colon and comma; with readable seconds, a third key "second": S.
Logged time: {"hour": 5, "minute": 18, "second": 38}
